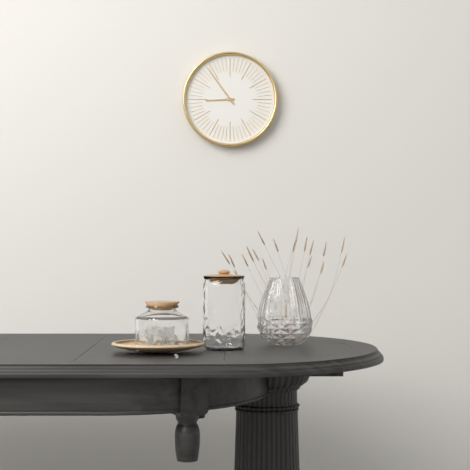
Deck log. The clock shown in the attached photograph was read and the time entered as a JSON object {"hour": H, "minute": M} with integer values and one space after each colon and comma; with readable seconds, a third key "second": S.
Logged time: {"hour": 8, "minute": 54}
